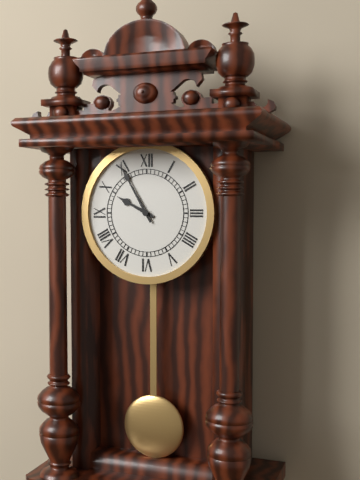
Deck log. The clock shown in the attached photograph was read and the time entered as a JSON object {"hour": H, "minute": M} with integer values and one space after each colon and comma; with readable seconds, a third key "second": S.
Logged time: {"hour": 9, "minute": 55}
